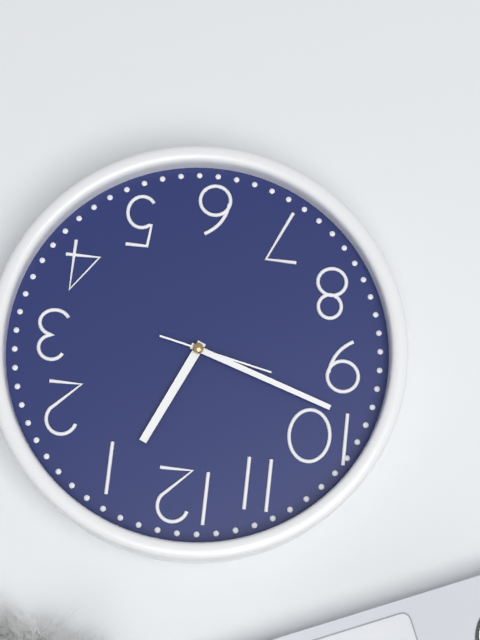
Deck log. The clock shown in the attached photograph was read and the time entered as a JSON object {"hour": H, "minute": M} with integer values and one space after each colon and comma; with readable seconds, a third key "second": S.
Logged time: {"hour": 12, "minute": 48, "second": 47}
